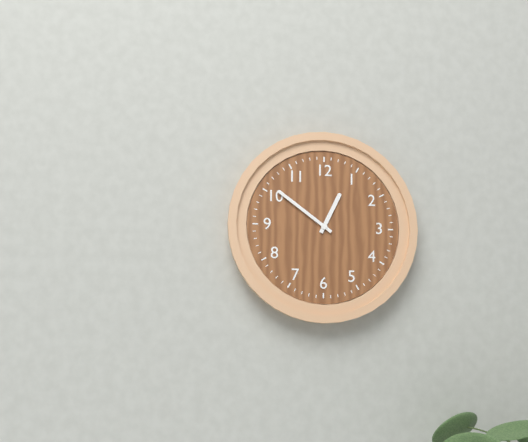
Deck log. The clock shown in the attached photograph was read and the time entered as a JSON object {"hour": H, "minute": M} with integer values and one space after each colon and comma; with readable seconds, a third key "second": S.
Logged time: {"hour": 12, "minute": 51}
